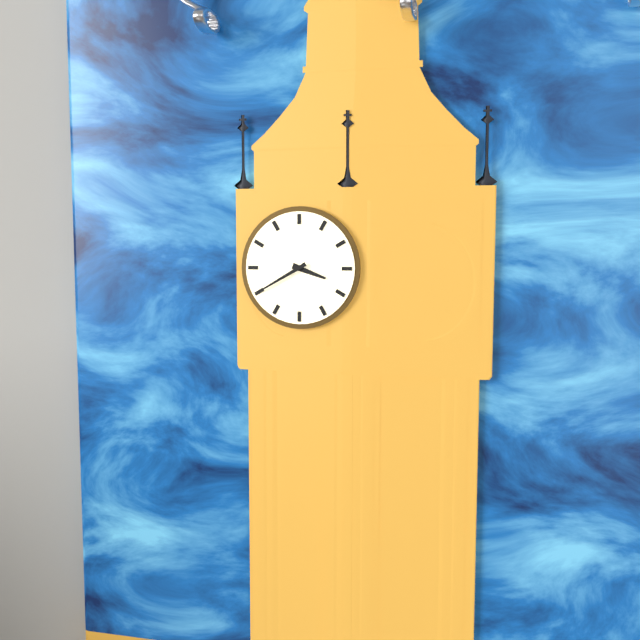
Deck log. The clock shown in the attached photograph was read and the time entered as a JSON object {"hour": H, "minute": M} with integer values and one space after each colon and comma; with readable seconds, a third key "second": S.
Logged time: {"hour": 3, "minute": 40}
